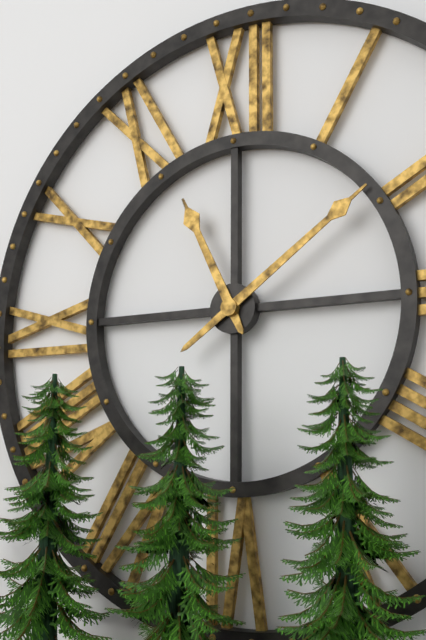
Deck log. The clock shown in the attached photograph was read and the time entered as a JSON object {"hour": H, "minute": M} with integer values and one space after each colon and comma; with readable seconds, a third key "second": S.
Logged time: {"hour": 11, "minute": 9}
